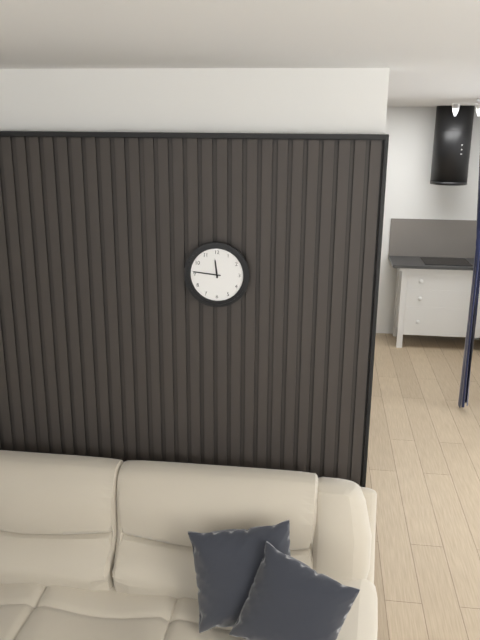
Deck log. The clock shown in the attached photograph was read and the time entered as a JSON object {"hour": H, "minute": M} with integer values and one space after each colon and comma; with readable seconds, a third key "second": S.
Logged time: {"hour": 11, "minute": 46}
